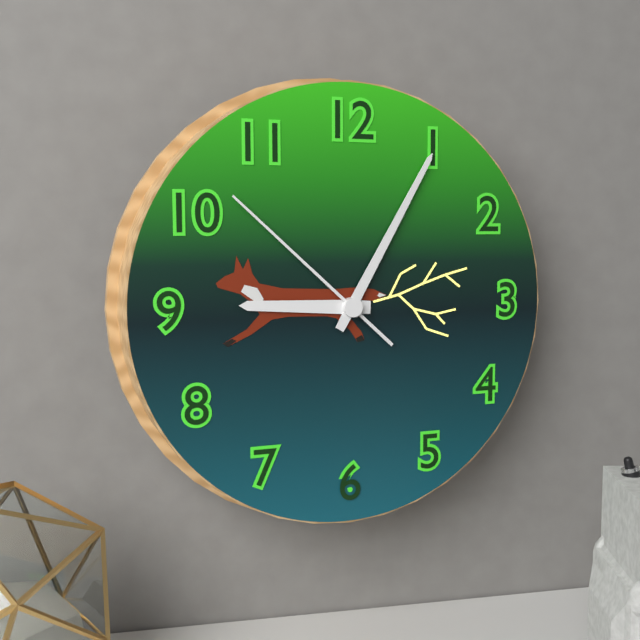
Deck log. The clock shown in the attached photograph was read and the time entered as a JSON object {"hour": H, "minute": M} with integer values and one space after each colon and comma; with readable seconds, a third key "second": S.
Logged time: {"hour": 9, "minute": 5, "second": 52}
